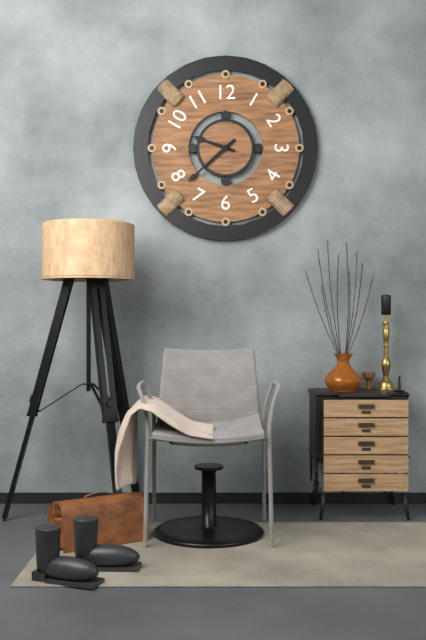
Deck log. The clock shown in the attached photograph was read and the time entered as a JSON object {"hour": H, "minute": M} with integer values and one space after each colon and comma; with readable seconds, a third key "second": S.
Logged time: {"hour": 9, "minute": 38}
